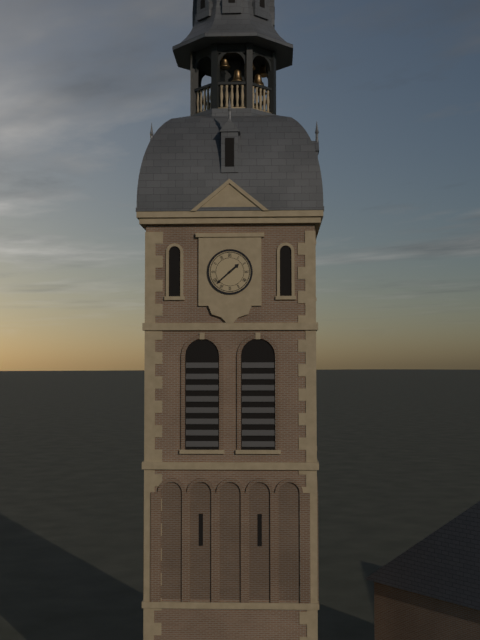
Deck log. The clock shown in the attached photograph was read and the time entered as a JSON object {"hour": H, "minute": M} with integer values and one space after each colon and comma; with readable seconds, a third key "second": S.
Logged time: {"hour": 1, "minute": 38}
